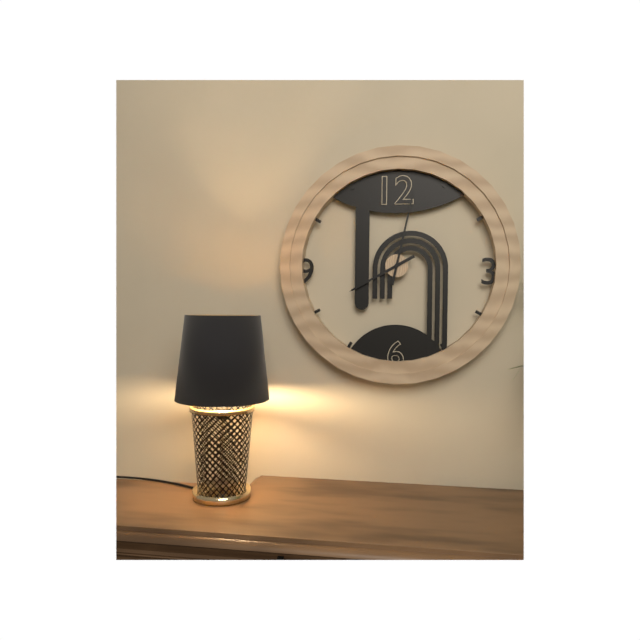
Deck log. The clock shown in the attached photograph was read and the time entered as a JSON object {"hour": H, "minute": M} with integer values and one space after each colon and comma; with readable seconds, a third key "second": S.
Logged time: {"hour": 8, "minute": 2}
